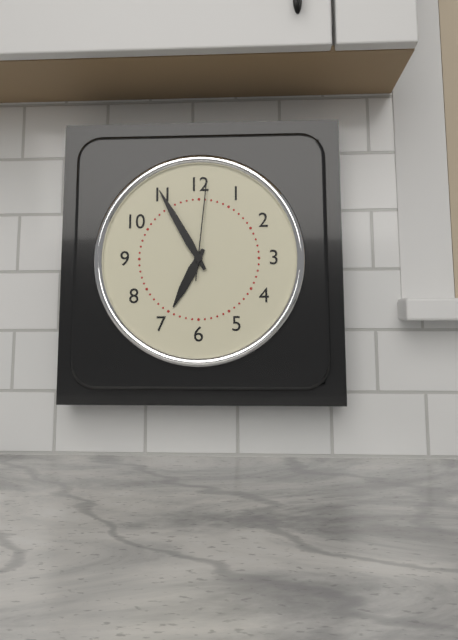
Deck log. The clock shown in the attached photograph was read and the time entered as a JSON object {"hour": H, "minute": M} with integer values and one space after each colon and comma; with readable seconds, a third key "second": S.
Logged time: {"hour": 6, "minute": 55, "second": 1}
